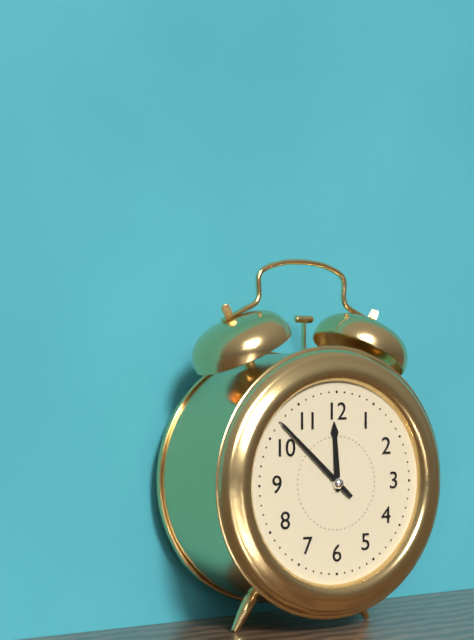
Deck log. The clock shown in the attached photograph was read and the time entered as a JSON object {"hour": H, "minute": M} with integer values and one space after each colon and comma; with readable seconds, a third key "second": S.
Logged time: {"hour": 11, "minute": 52}
